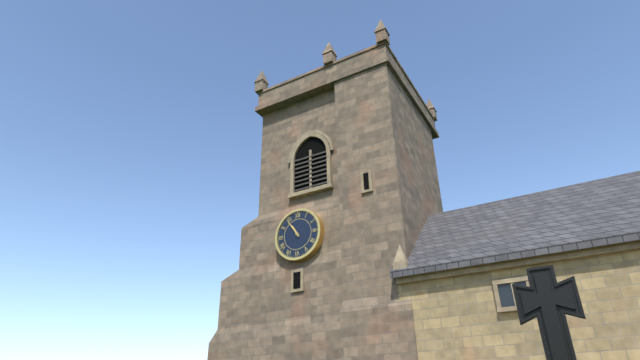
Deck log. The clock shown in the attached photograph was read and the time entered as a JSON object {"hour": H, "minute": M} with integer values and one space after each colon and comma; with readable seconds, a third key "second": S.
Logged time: {"hour": 10, "minute": 54}
